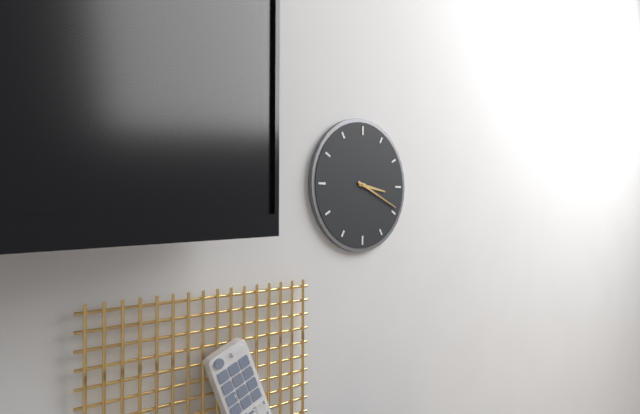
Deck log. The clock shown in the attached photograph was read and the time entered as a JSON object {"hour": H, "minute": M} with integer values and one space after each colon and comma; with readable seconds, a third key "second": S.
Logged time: {"hour": 3, "minute": 19}
